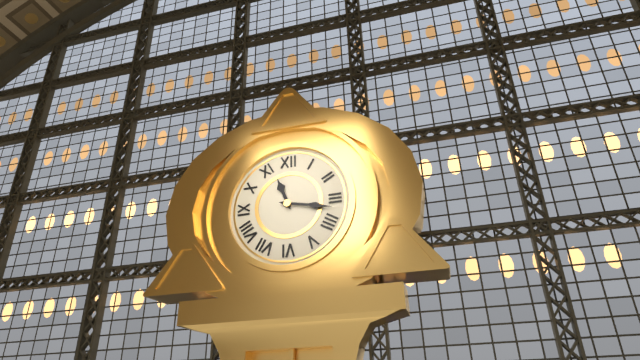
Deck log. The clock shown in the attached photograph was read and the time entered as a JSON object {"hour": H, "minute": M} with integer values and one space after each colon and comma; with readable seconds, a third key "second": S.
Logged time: {"hour": 11, "minute": 17}
